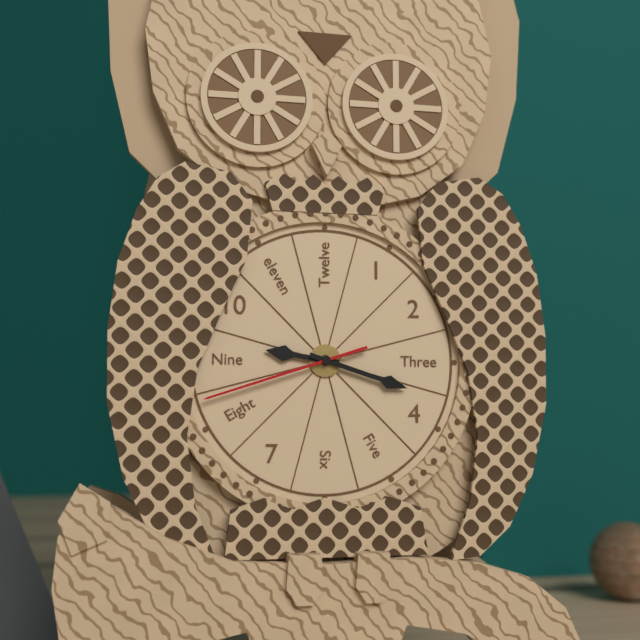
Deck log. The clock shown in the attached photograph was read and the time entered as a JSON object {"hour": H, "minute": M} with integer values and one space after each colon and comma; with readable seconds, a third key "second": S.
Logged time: {"hour": 9, "minute": 18, "second": 42}
